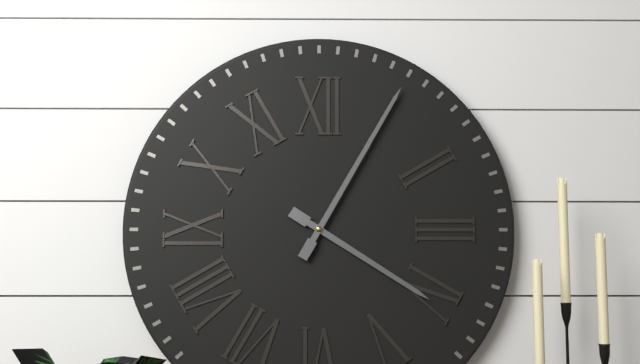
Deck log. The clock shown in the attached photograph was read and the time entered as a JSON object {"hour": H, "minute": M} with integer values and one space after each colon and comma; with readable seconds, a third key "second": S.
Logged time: {"hour": 4, "minute": 5}
